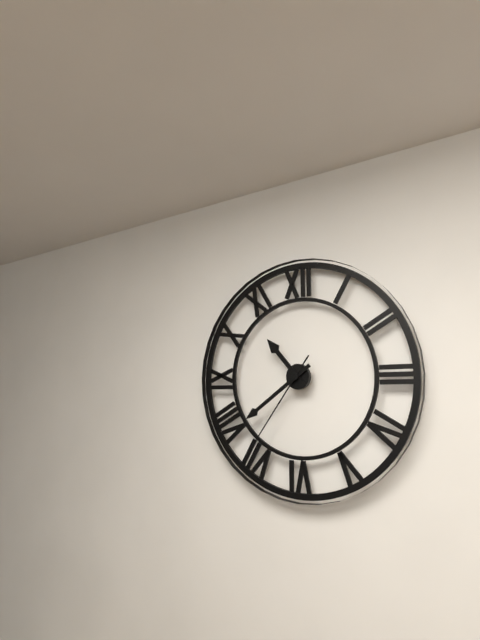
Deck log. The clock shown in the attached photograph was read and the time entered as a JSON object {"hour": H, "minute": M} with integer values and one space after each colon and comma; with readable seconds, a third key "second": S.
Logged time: {"hour": 10, "minute": 39, "second": 36}
